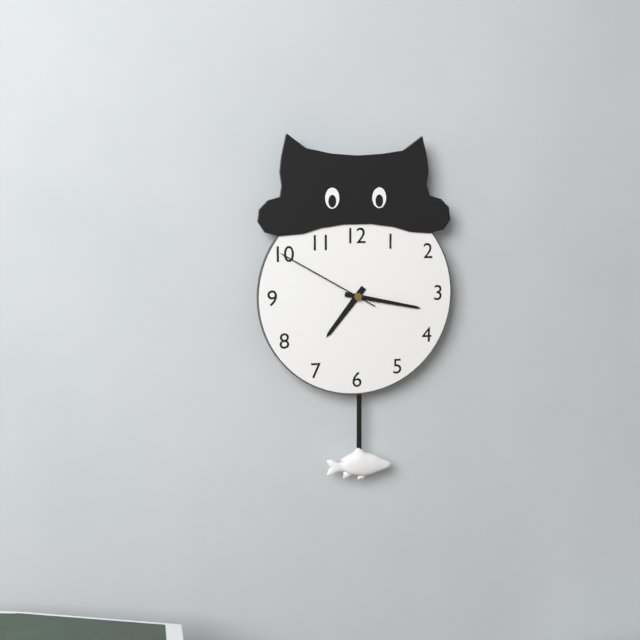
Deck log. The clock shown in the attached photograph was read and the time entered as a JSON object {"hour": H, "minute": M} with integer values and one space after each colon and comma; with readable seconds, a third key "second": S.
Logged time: {"hour": 7, "minute": 17, "second": 50}
